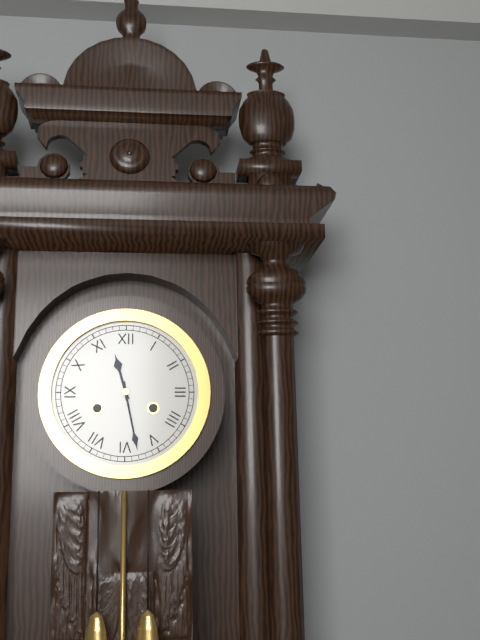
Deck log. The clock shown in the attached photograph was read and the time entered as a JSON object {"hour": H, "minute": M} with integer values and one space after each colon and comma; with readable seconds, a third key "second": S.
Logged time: {"hour": 11, "minute": 28}
